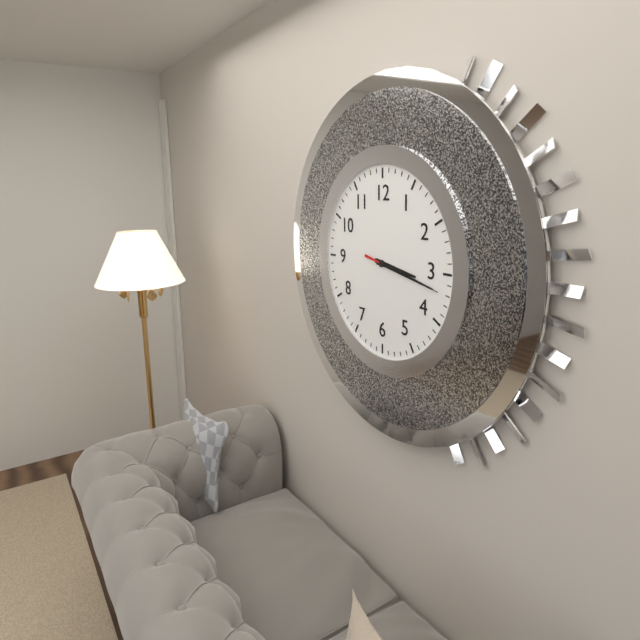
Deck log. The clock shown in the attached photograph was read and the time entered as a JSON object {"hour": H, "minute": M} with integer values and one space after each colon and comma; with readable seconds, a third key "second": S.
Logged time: {"hour": 3, "minute": 17, "second": 17}
